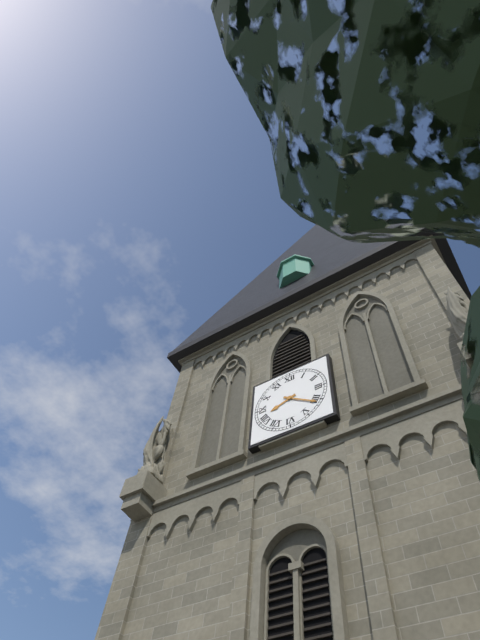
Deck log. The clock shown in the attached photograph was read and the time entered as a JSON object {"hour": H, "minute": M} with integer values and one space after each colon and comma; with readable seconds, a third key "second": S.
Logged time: {"hour": 8, "minute": 21}
